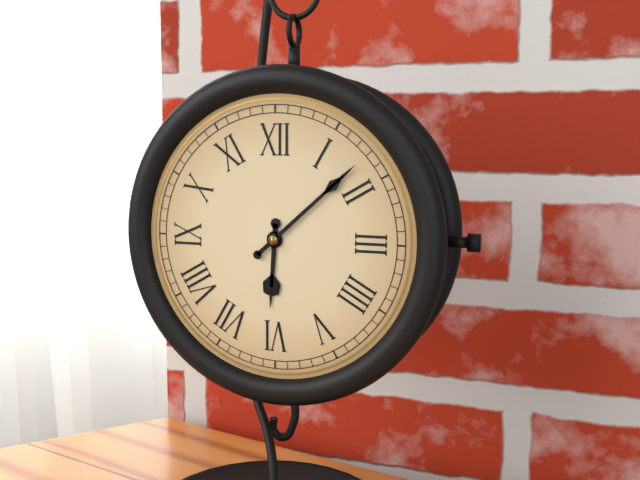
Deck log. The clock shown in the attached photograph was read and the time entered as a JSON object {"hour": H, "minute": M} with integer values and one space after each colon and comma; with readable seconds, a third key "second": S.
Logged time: {"hour": 6, "minute": 8}
